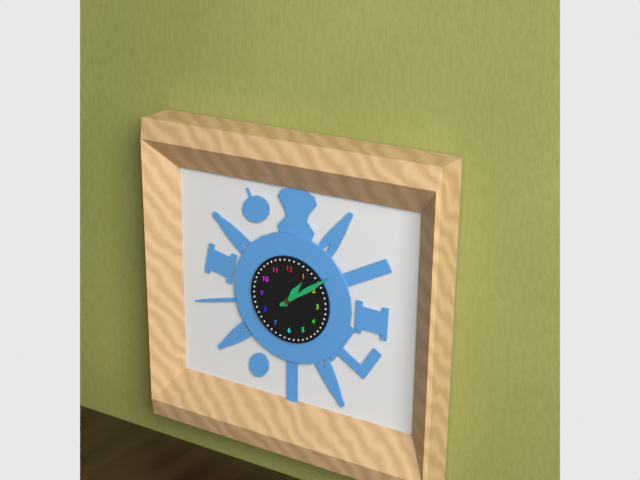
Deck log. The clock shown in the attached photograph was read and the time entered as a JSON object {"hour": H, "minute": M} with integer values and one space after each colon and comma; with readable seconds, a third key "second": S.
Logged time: {"hour": 1, "minute": 9}
